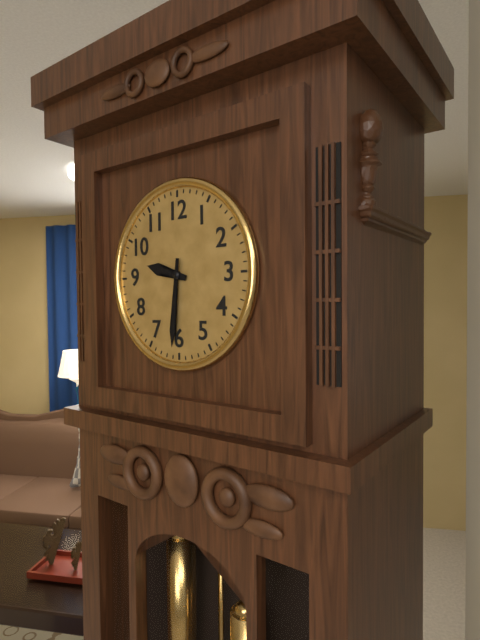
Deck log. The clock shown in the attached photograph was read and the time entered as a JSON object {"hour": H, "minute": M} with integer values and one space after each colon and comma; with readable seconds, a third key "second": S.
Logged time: {"hour": 9, "minute": 31}
